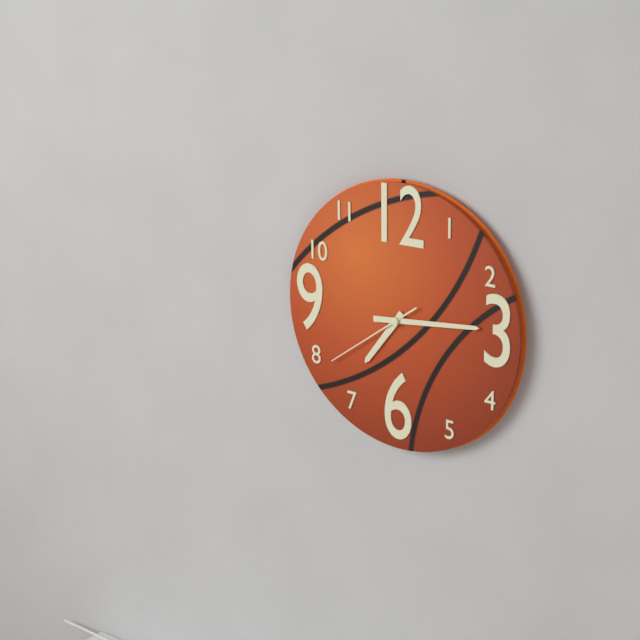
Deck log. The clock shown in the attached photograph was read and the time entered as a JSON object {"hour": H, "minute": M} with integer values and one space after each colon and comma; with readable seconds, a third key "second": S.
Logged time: {"hour": 7, "minute": 14, "second": 39}
